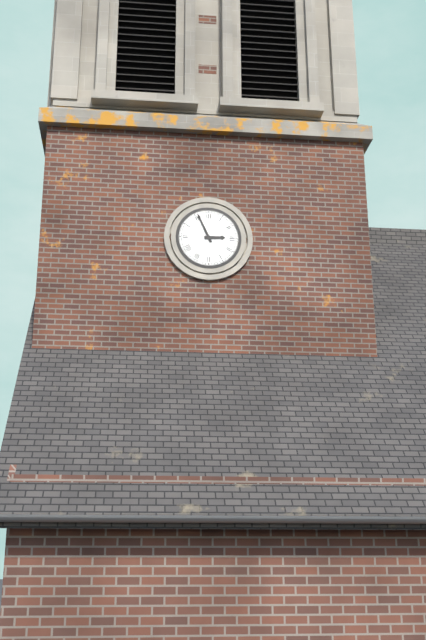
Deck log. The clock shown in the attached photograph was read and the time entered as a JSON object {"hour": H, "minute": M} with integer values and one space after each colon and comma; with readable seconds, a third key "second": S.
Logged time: {"hour": 2, "minute": 56}
